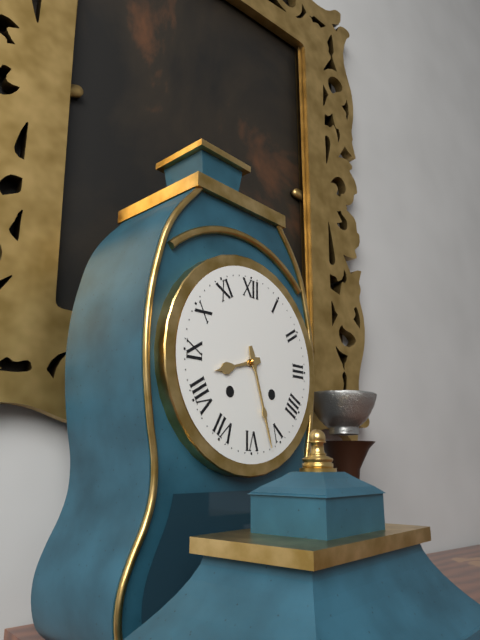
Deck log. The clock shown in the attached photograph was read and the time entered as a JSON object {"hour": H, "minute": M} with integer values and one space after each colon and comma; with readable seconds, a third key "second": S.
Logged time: {"hour": 8, "minute": 27}
